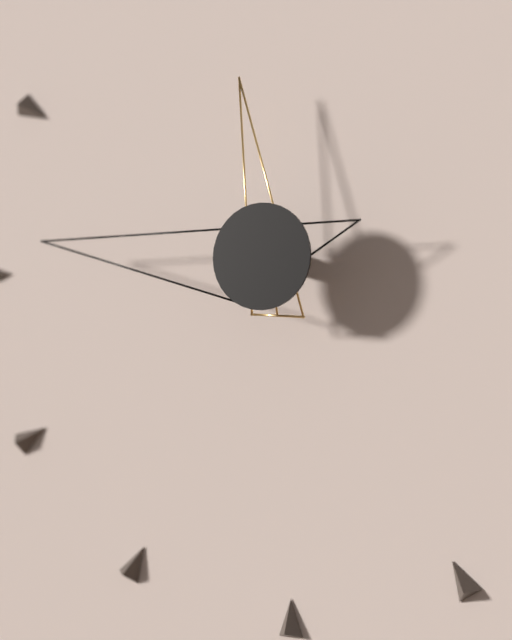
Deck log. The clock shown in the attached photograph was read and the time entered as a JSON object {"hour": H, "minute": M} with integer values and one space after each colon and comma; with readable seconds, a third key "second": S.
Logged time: {"hour": 11, "minute": 46}
